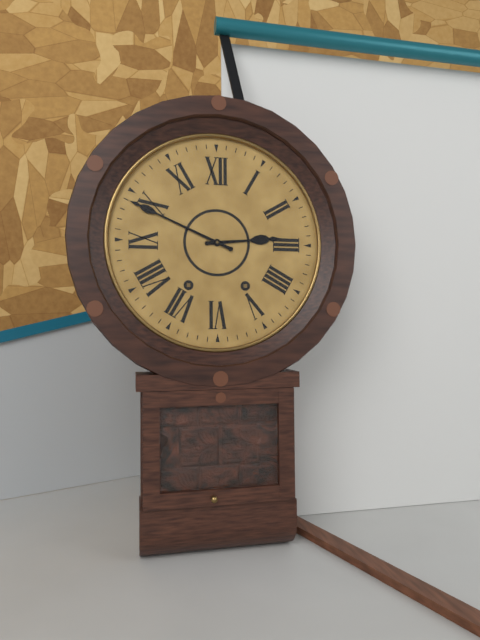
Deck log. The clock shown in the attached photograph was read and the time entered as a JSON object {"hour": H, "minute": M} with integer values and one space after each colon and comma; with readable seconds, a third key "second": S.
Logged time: {"hour": 2, "minute": 49}
